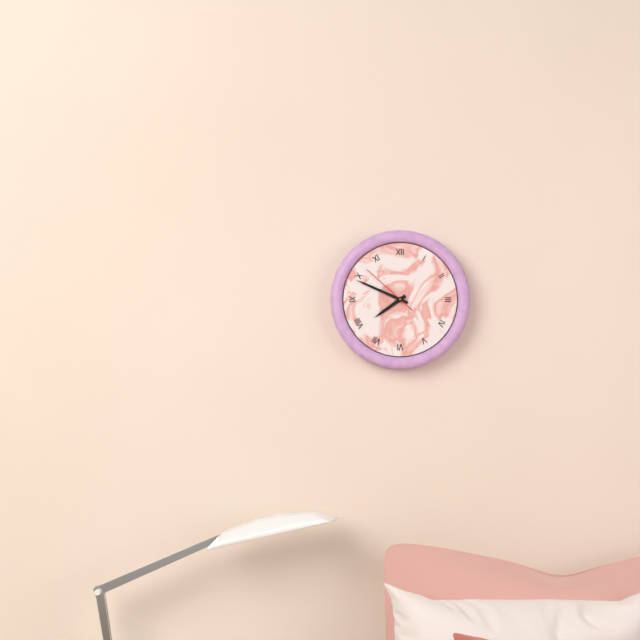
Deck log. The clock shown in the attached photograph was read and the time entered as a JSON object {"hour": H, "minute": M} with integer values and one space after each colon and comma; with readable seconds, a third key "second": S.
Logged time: {"hour": 7, "minute": 49, "second": 52}
